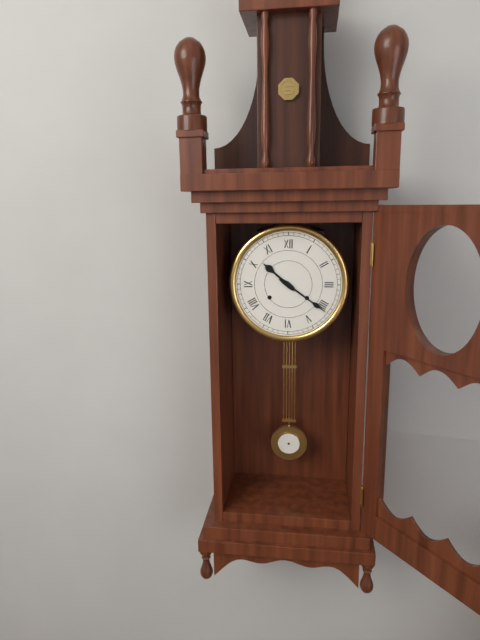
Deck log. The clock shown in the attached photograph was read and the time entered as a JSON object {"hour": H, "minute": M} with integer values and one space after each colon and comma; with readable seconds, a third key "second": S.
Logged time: {"hour": 10, "minute": 21}
